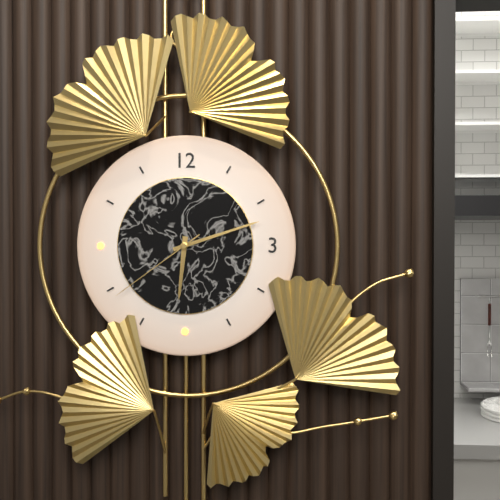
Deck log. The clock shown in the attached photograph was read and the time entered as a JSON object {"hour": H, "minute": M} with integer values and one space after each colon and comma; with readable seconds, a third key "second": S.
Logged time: {"hour": 6, "minute": 12, "second": 39}
